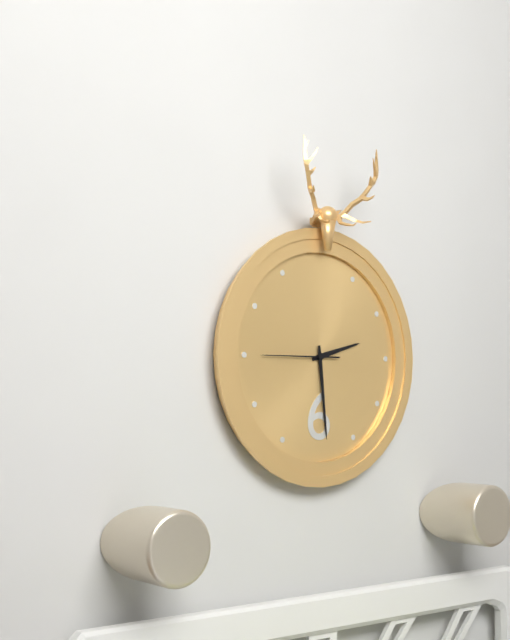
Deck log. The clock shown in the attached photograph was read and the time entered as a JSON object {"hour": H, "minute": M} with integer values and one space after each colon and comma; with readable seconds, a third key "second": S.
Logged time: {"hour": 2, "minute": 29, "second": 45}
